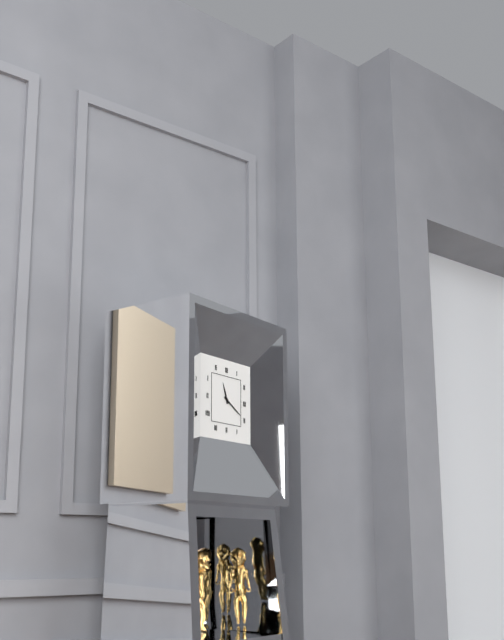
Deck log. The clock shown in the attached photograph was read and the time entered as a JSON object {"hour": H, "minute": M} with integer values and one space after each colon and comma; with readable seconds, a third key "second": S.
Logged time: {"hour": 11, "minute": 20}
